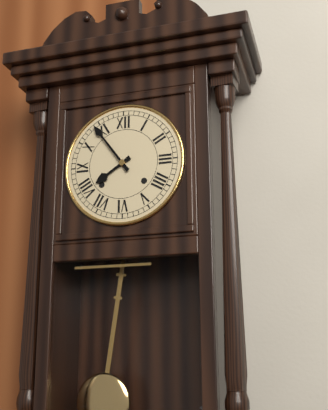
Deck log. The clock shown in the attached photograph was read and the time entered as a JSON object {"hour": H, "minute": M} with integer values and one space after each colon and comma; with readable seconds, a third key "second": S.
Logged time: {"hour": 7, "minute": 54}
